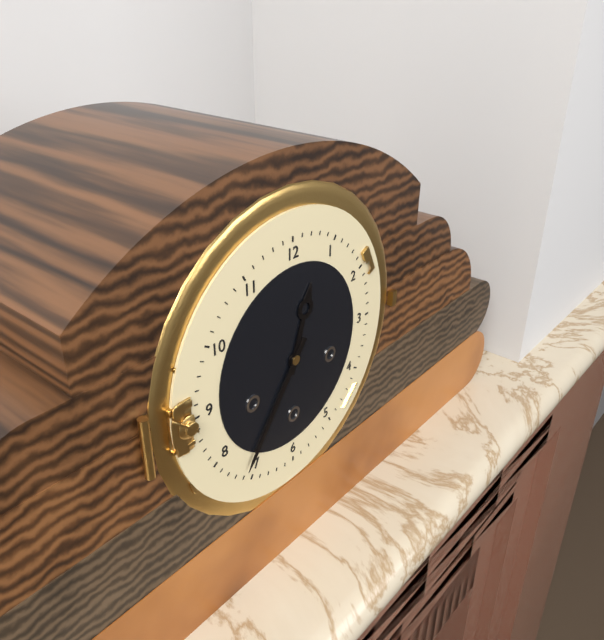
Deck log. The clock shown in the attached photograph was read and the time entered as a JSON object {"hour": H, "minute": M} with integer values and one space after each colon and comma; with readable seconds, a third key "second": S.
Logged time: {"hour": 12, "minute": 36}
